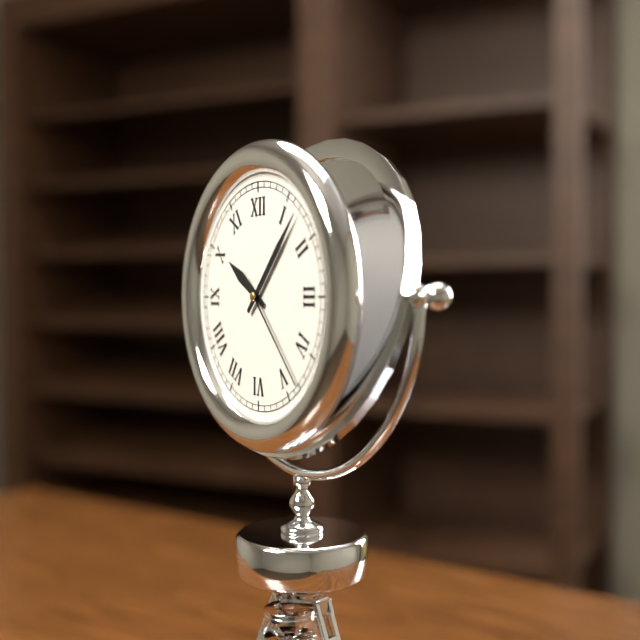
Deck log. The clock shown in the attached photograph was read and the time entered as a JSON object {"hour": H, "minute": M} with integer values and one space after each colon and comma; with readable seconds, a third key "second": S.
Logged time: {"hour": 10, "minute": 7, "second": 23}
